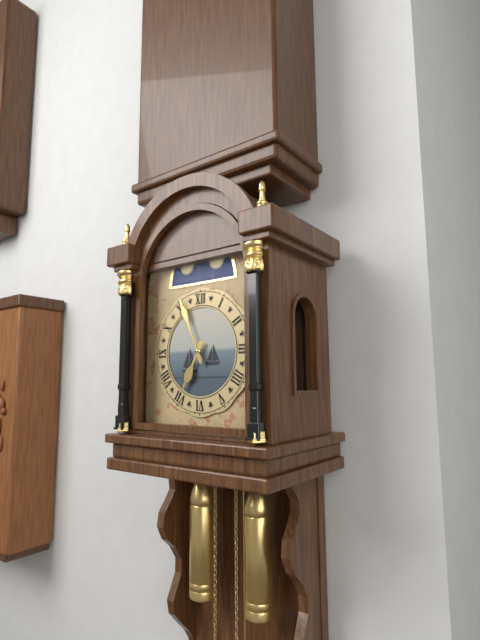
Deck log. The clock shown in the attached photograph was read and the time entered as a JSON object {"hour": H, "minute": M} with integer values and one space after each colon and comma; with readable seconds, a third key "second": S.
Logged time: {"hour": 6, "minute": 56}
